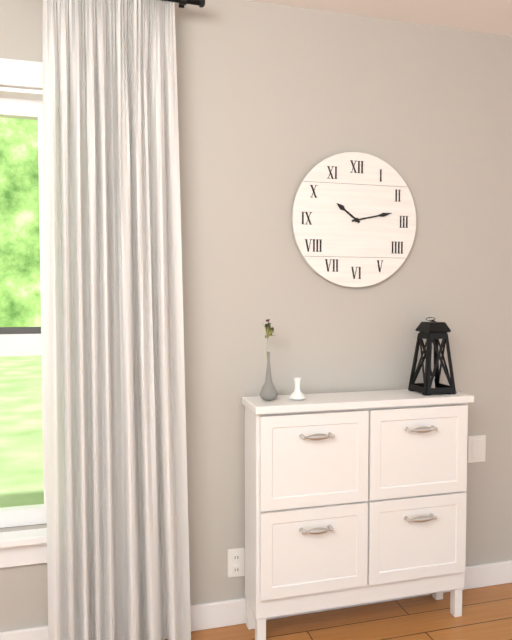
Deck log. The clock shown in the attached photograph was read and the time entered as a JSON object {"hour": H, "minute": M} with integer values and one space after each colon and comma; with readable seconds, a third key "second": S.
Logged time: {"hour": 10, "minute": 13}
